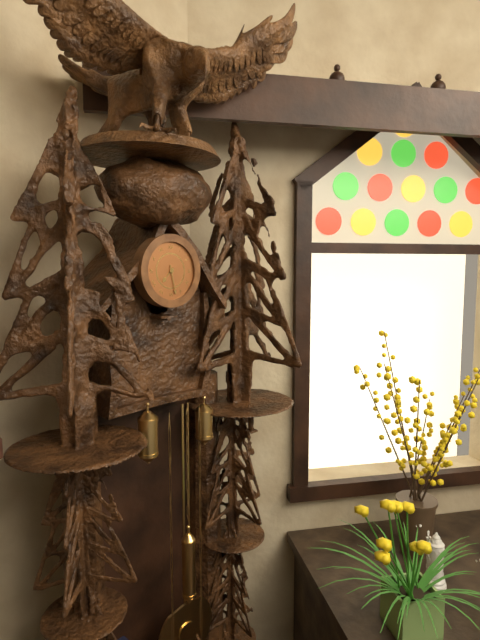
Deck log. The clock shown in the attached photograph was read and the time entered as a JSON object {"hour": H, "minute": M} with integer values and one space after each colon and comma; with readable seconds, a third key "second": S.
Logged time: {"hour": 7, "minute": 28}
